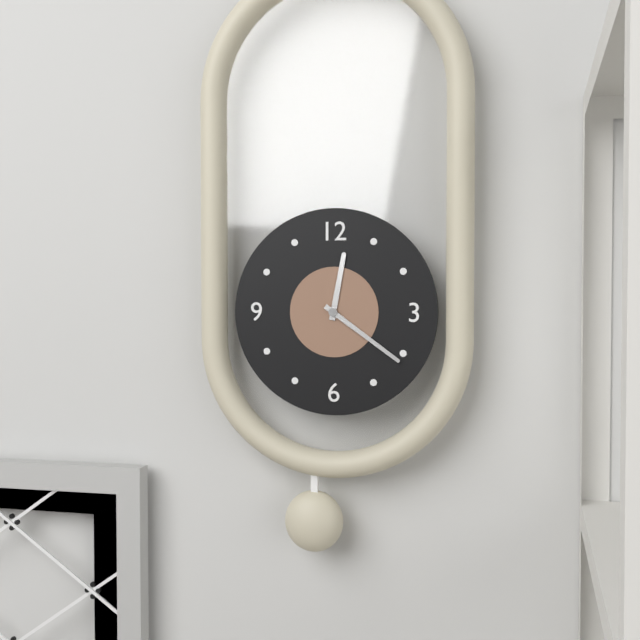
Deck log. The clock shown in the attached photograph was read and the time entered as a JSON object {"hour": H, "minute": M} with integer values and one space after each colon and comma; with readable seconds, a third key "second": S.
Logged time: {"hour": 12, "minute": 21}
